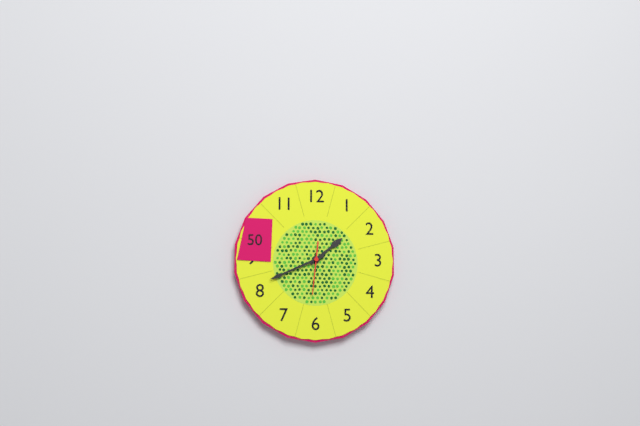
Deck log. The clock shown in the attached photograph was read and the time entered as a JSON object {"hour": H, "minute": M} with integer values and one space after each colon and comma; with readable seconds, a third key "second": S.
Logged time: {"hour": 1, "minute": 41}
